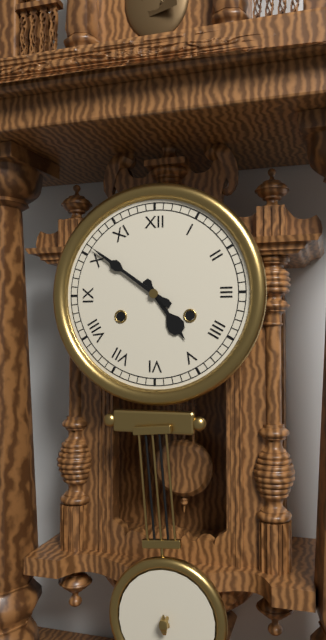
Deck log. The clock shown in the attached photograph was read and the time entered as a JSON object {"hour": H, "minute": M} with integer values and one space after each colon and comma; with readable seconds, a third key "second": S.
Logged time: {"hour": 4, "minute": 51}
